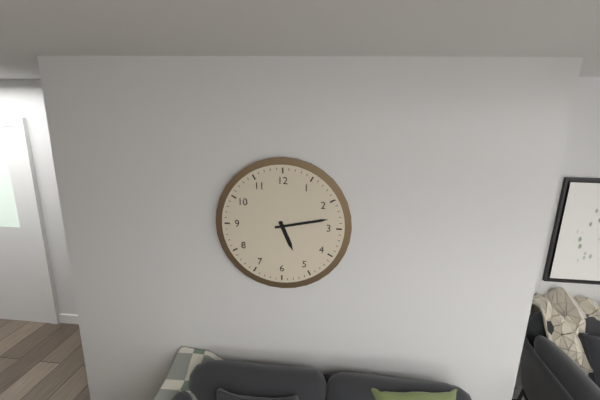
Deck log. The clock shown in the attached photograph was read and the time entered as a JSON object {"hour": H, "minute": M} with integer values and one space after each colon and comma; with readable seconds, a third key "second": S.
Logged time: {"hour": 5, "minute": 13}
